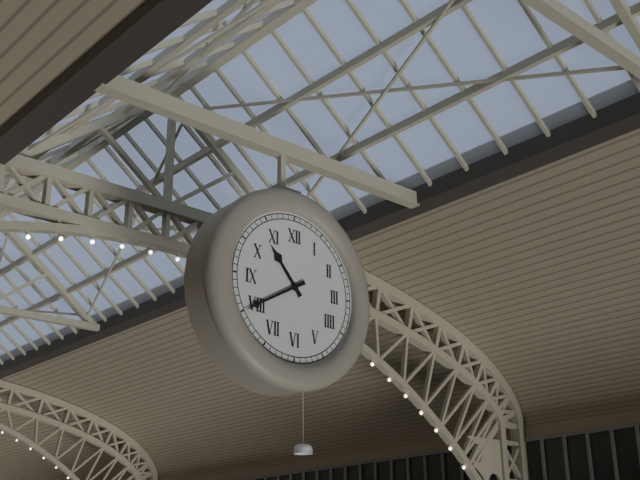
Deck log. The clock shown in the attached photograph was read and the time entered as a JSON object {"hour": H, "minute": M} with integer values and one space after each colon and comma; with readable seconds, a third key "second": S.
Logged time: {"hour": 10, "minute": 40}
